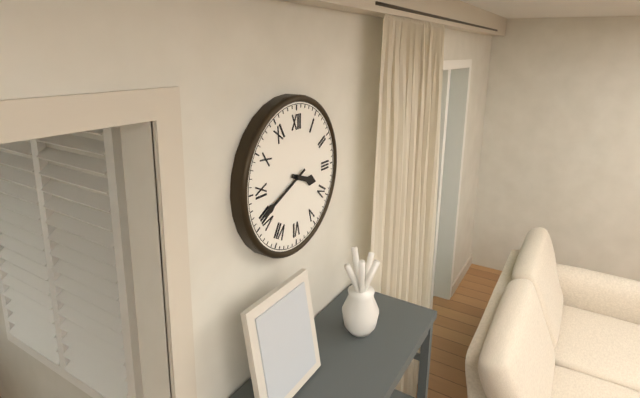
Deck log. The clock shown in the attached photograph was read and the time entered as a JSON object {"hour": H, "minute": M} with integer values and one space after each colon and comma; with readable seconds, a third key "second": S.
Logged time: {"hour": 3, "minute": 41}
